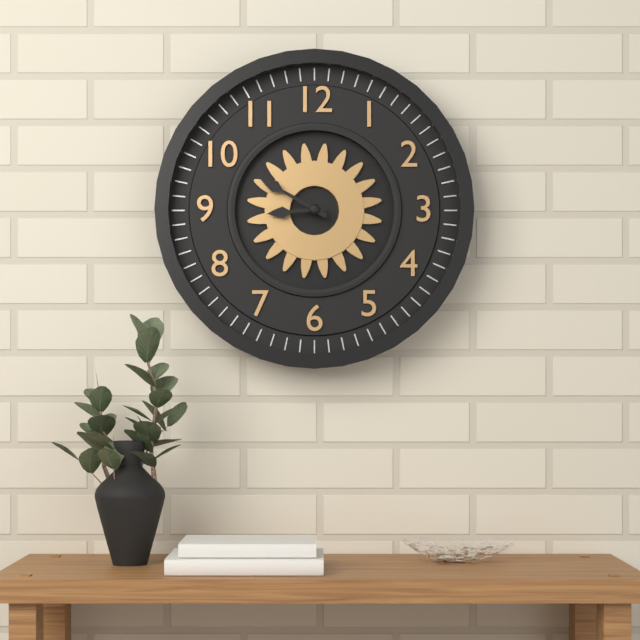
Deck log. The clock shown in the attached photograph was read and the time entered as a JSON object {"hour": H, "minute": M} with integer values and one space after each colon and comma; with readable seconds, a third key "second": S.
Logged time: {"hour": 8, "minute": 50}
